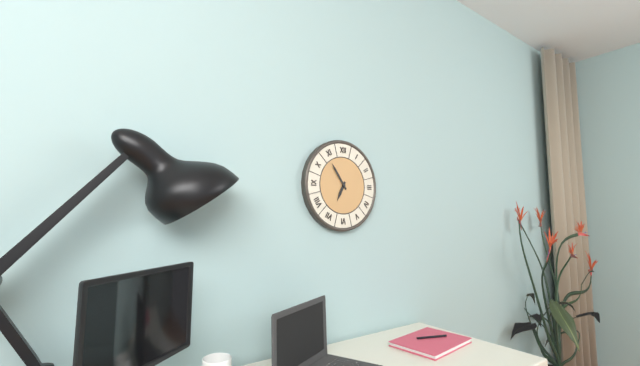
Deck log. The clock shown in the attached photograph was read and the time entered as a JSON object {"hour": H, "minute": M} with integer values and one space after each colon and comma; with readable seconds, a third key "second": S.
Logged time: {"hour": 6, "minute": 54}
